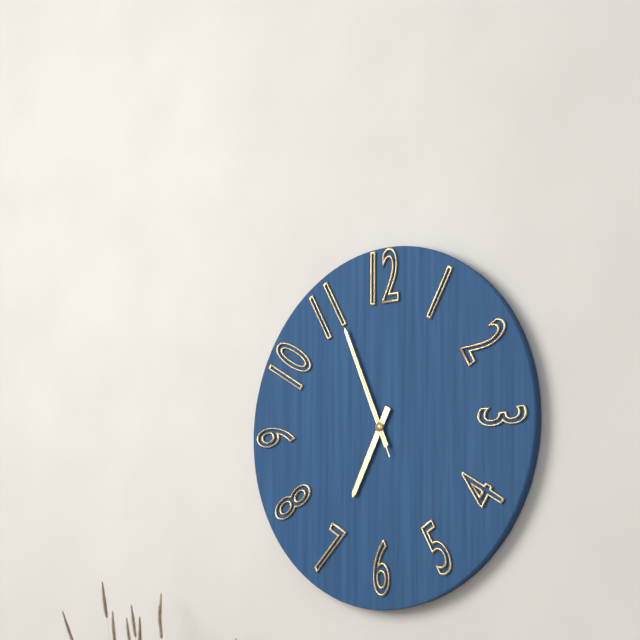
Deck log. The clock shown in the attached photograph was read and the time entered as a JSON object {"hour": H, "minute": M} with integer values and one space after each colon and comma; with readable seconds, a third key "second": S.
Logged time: {"hour": 6, "minute": 56, "second": 56}
